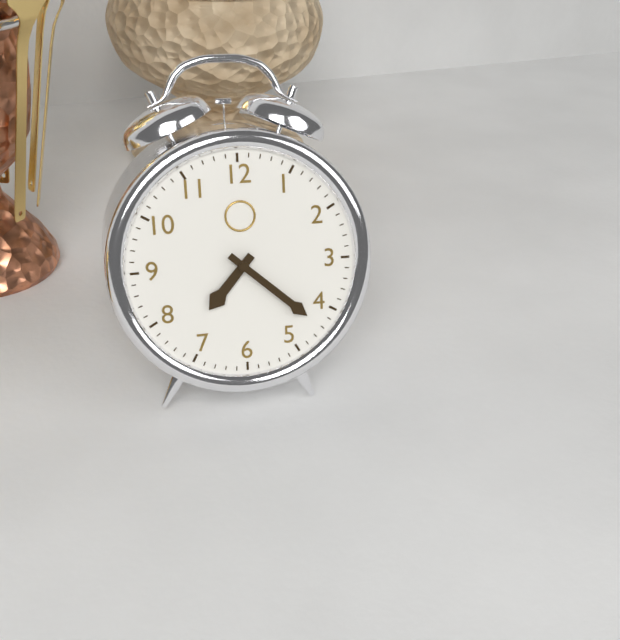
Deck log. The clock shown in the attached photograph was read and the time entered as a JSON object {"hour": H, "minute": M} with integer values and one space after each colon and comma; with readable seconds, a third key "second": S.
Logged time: {"hour": 7, "minute": 22}
